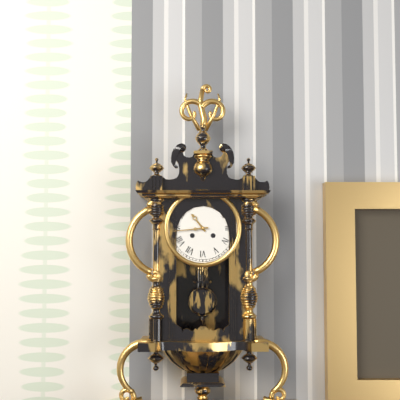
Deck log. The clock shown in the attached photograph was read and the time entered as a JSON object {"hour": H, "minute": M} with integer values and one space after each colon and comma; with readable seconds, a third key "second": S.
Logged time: {"hour": 10, "minute": 44}
